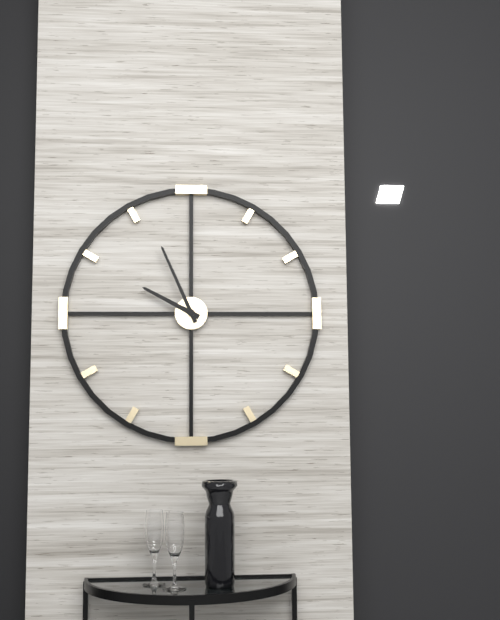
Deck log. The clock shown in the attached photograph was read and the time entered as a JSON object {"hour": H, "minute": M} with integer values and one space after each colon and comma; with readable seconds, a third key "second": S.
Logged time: {"hour": 9, "minute": 56}
